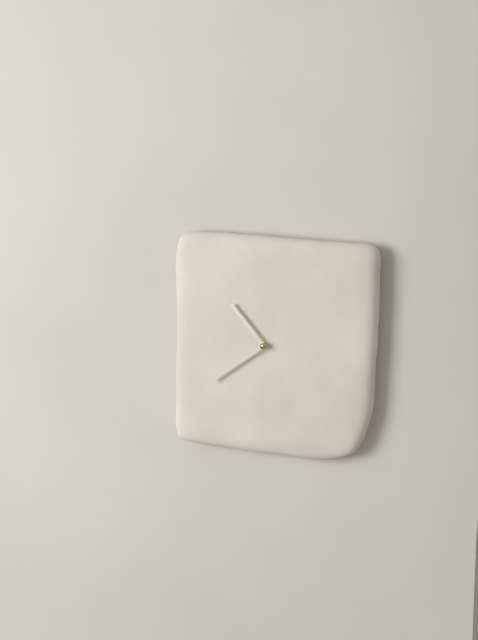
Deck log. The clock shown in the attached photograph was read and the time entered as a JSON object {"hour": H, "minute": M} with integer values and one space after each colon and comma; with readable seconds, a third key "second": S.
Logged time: {"hour": 10, "minute": 39}
